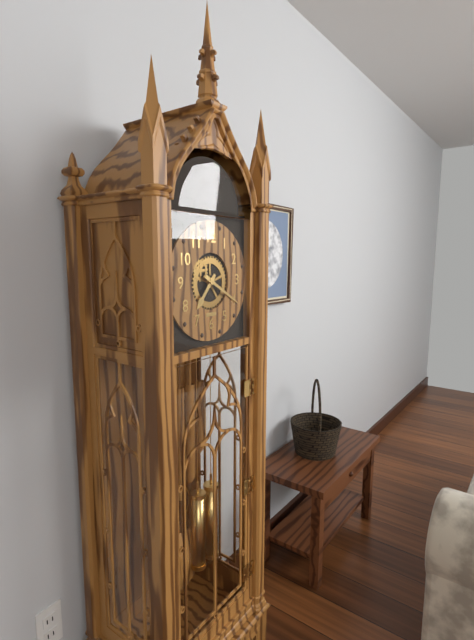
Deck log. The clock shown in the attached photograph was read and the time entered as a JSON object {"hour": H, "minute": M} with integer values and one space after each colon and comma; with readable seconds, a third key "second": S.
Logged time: {"hour": 7, "minute": 20}
